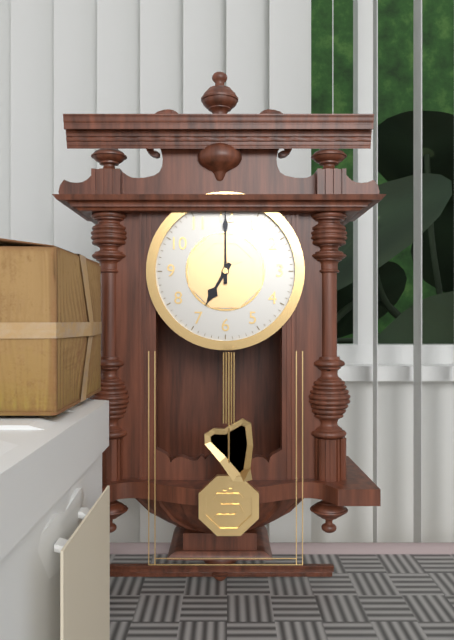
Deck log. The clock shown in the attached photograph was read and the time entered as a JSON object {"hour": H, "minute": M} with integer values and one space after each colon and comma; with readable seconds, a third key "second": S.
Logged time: {"hour": 7, "minute": 0}
